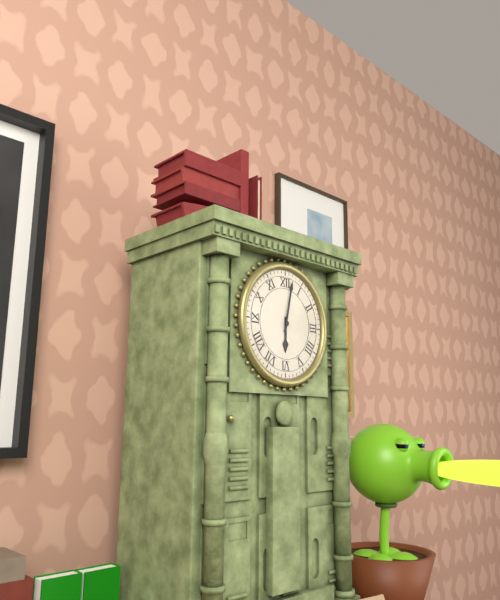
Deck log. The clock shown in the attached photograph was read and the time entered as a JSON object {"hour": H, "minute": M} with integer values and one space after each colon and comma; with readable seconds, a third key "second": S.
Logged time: {"hour": 6, "minute": 2}
